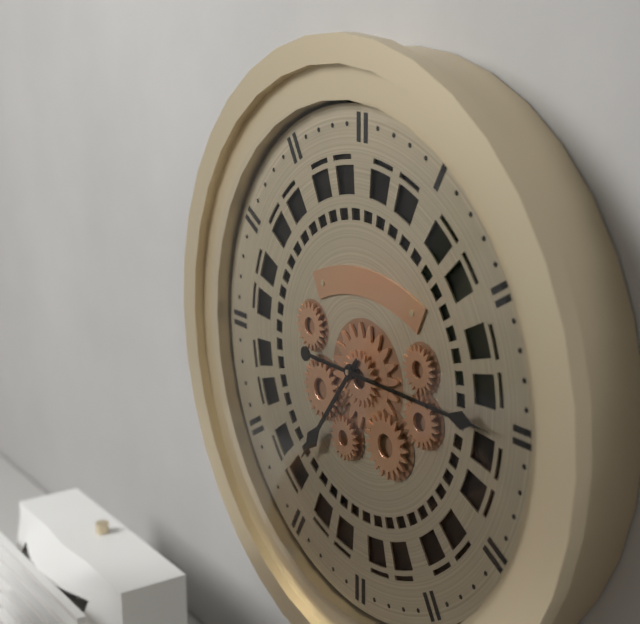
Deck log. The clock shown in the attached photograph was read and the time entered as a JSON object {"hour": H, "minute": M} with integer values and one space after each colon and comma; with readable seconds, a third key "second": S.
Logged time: {"hour": 7, "minute": 15}
